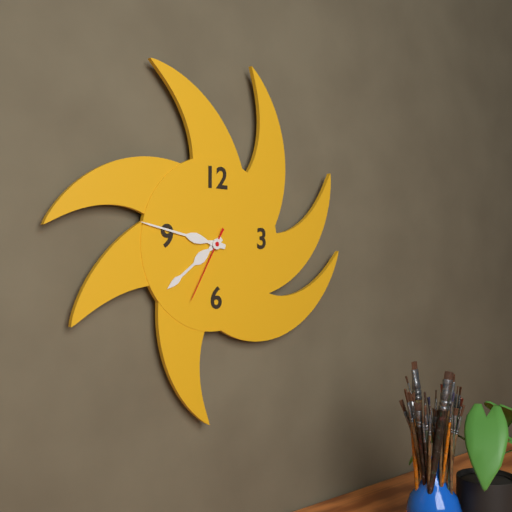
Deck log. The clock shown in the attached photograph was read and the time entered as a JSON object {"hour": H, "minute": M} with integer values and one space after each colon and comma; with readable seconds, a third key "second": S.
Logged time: {"hour": 7, "minute": 47, "second": 35}
